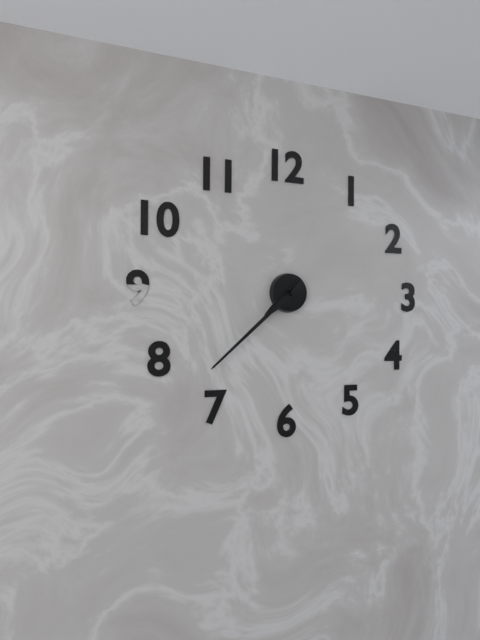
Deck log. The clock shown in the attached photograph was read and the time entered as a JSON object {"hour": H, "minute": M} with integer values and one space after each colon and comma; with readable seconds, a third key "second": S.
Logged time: {"hour": 7, "minute": 38}
